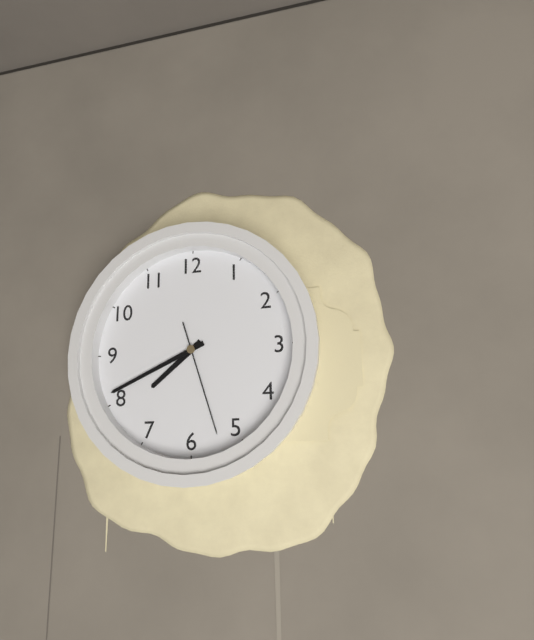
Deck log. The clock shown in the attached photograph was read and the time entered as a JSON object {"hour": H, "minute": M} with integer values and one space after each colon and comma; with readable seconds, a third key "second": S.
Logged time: {"hour": 7, "minute": 41, "second": 27}
